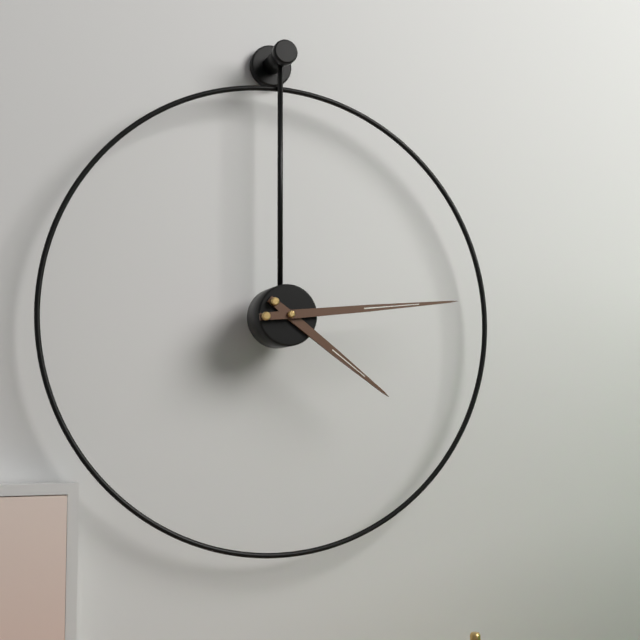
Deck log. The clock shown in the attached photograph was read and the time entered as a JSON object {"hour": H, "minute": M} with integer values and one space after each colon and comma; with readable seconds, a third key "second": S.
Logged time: {"hour": 4, "minute": 14}
